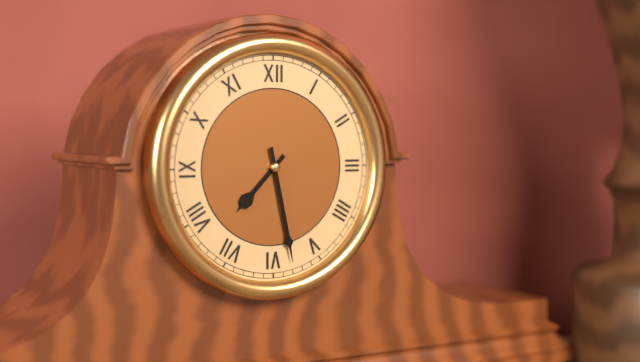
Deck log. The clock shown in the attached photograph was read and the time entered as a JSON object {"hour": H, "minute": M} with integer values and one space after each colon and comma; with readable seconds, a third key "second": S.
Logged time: {"hour": 7, "minute": 28}
